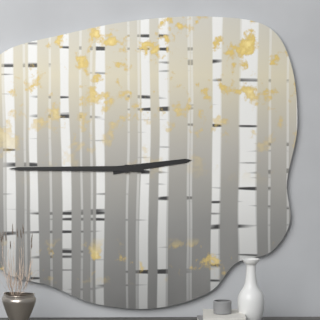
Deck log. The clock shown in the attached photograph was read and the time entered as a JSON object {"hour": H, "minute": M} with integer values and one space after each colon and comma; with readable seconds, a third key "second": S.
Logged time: {"hour": 2, "minute": 45}
